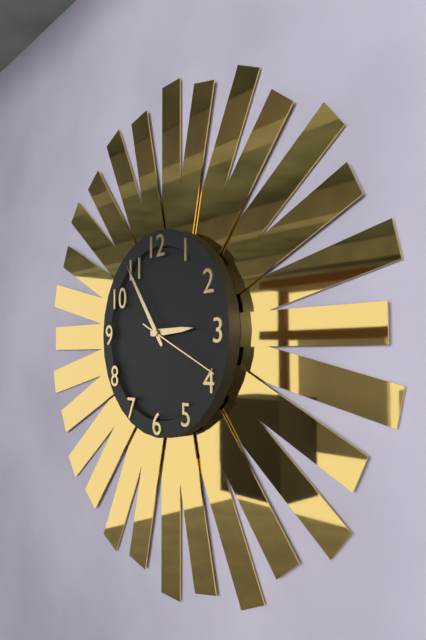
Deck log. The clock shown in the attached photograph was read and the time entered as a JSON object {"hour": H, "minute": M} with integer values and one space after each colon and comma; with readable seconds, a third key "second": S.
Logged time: {"hour": 2, "minute": 54, "second": 19}
